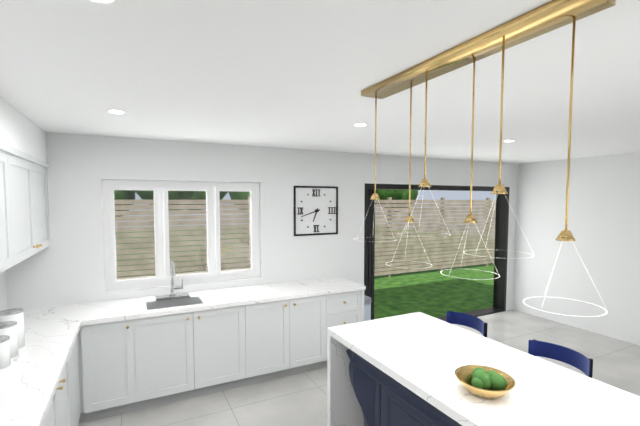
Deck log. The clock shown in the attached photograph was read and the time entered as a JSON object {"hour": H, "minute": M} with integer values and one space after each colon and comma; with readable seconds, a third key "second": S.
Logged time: {"hour": 6, "minute": 42}
